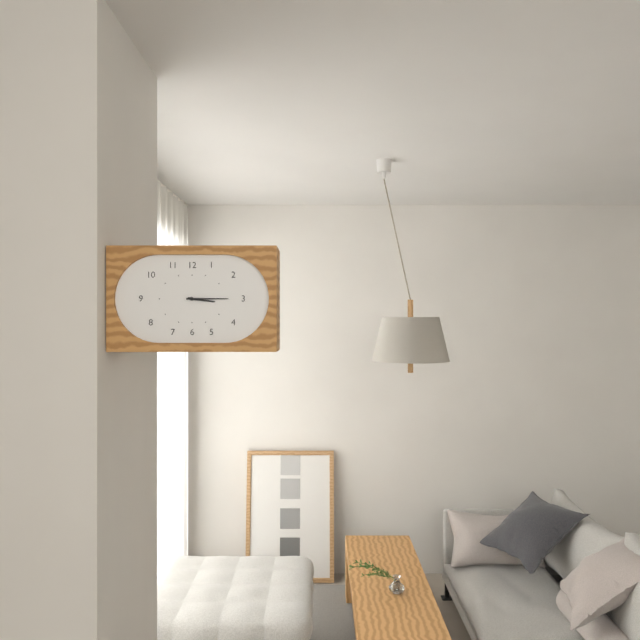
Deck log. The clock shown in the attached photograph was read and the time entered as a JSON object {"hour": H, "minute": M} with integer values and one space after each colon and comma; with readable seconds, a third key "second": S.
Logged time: {"hour": 3, "minute": 15}
